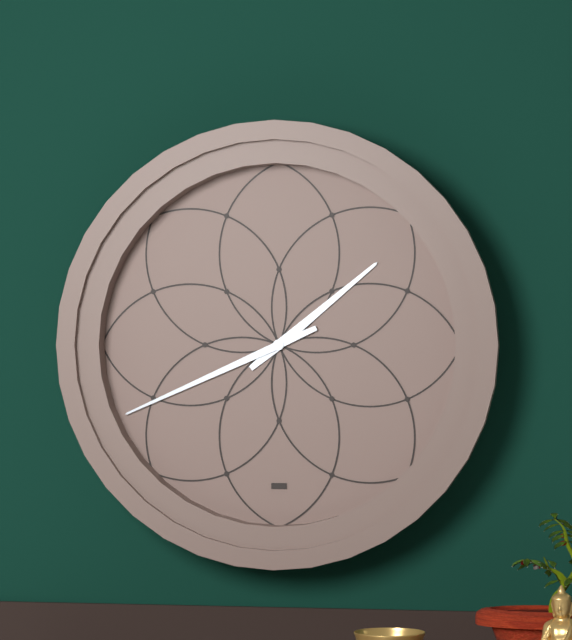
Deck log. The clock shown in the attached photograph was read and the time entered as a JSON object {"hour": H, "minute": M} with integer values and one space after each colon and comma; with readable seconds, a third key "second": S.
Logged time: {"hour": 1, "minute": 41}
